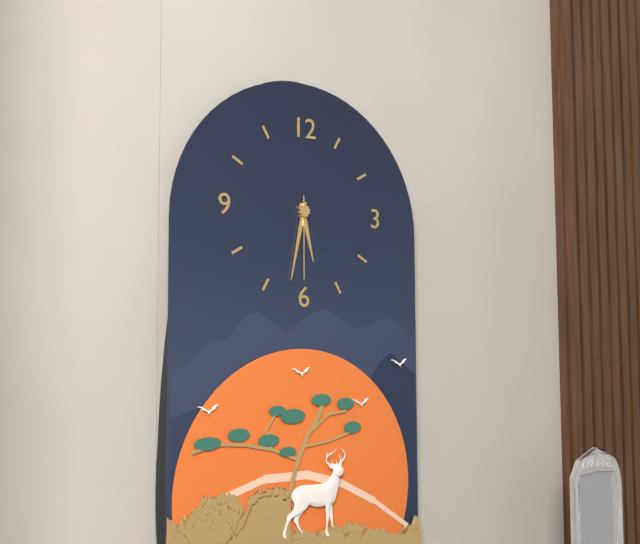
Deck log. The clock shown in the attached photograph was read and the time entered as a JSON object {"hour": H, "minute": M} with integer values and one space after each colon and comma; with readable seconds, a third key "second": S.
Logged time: {"hour": 5, "minute": 32, "second": 30}
